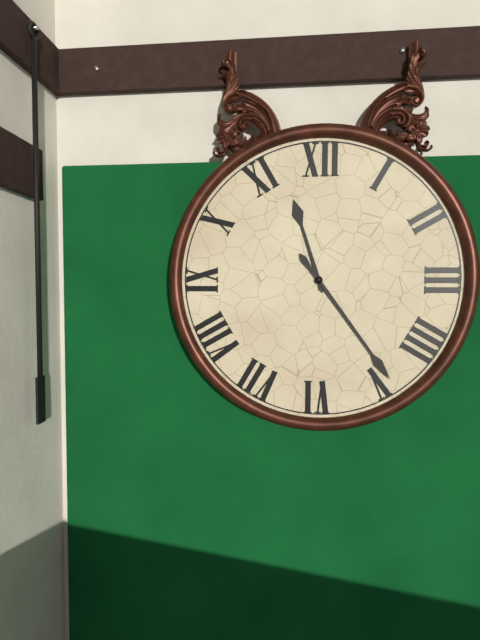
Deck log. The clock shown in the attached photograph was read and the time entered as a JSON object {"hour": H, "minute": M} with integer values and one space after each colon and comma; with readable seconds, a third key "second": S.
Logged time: {"hour": 11, "minute": 24}
